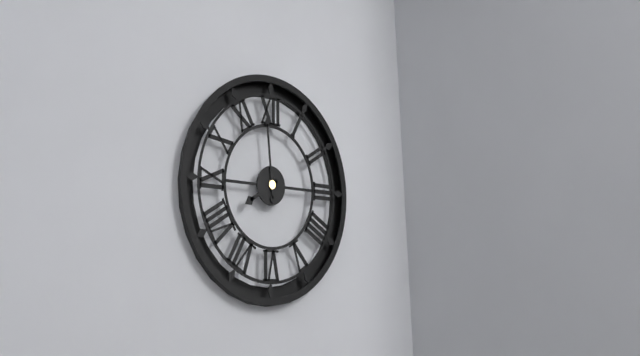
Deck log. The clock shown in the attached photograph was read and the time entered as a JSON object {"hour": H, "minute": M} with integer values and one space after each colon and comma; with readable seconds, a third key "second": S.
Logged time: {"hour": 7, "minute": 59}
